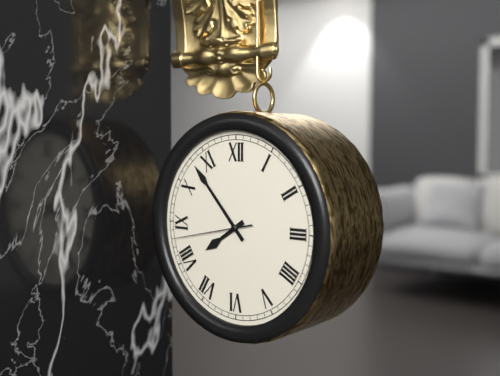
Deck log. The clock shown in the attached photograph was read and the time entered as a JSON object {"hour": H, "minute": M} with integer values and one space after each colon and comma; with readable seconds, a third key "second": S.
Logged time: {"hour": 7, "minute": 53, "second": 43}
